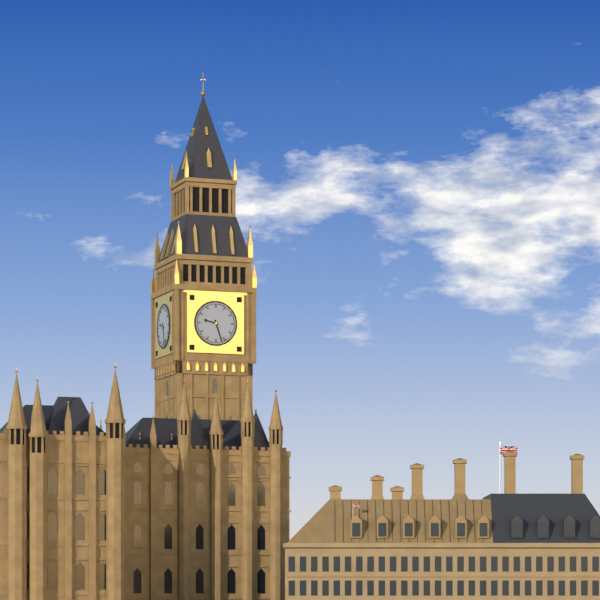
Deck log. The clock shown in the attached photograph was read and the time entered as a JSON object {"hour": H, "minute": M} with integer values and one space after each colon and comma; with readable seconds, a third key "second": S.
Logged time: {"hour": 9, "minute": 27}
